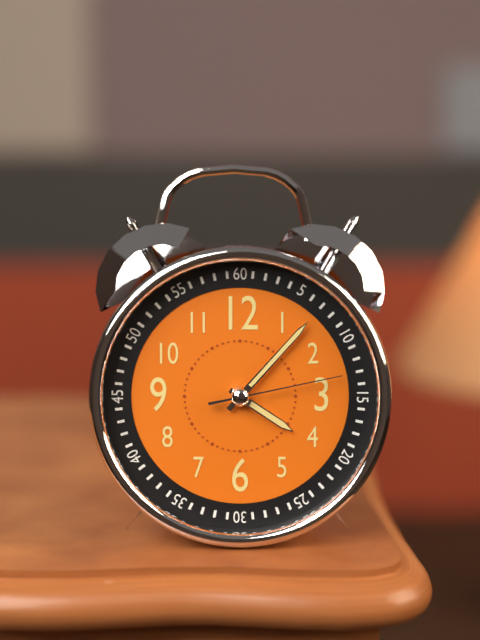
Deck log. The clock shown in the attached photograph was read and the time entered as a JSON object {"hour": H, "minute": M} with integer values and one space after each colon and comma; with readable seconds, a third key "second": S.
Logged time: {"hour": 4, "minute": 7, "second": 13}
